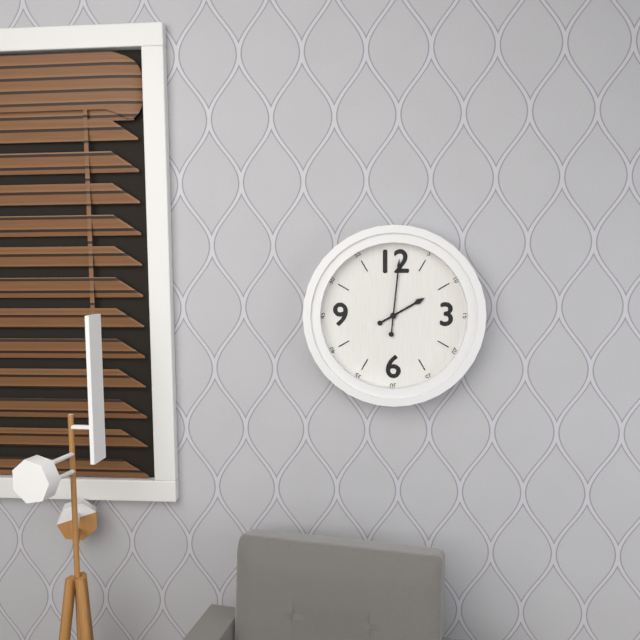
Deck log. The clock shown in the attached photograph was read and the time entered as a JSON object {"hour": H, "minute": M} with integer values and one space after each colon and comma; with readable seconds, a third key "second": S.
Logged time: {"hour": 2, "minute": 1}
